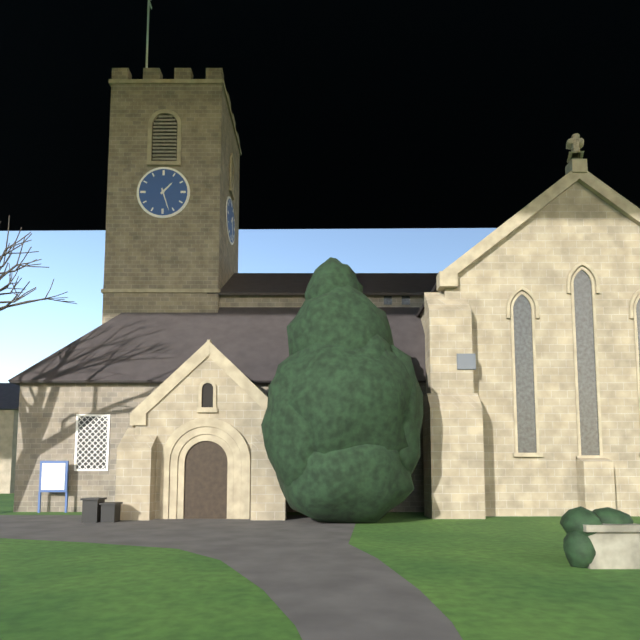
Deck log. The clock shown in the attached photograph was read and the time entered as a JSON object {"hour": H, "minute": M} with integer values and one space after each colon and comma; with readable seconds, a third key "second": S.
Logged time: {"hour": 1, "minute": 27}
